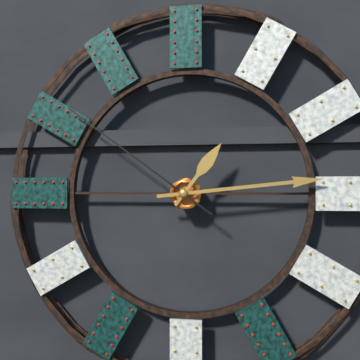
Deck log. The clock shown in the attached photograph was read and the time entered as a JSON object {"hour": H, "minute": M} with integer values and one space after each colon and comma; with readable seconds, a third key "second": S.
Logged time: {"hour": 1, "minute": 14, "second": 51}
